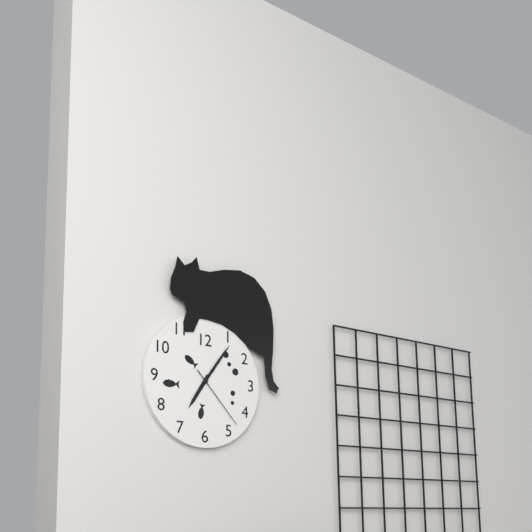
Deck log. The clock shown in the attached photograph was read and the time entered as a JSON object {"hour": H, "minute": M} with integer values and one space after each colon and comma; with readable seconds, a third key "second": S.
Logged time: {"hour": 7, "minute": 6, "second": 23}
